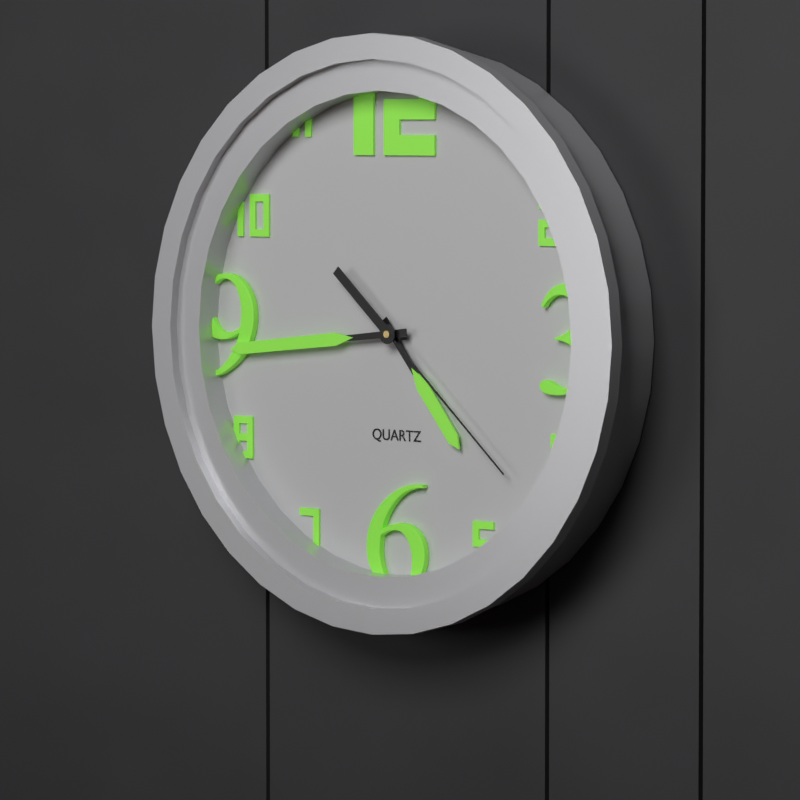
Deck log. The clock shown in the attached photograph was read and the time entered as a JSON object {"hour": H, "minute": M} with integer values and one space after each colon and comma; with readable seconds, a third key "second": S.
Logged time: {"hour": 4, "minute": 44, "second": 22}
